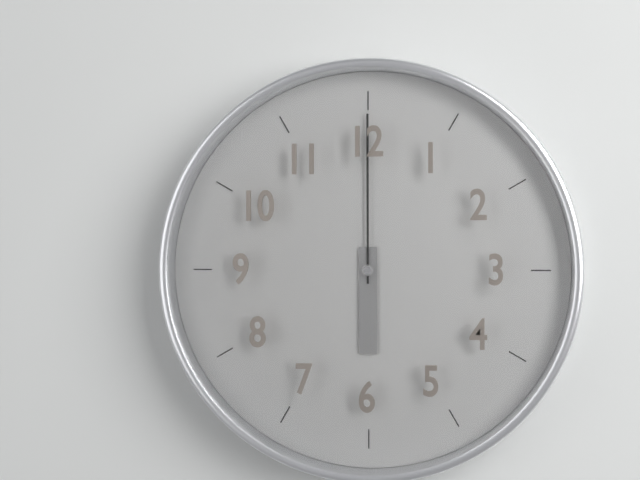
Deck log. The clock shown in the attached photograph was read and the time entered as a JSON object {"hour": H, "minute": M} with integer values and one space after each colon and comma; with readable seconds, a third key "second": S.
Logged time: {"hour": 6, "minute": 0}
